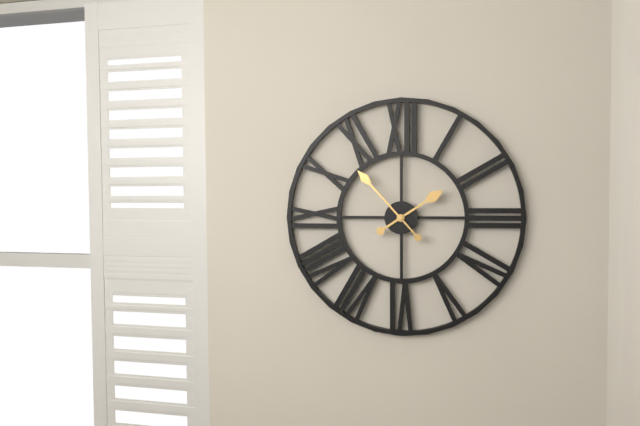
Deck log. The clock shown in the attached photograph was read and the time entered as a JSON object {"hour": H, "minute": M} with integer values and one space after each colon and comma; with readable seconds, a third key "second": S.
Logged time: {"hour": 1, "minute": 53}
